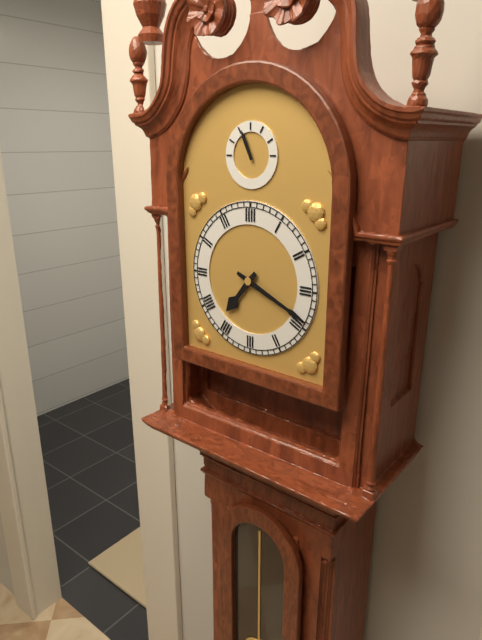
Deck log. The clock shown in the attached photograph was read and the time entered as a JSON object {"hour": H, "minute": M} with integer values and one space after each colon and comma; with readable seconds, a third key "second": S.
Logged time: {"hour": 7, "minute": 19}
